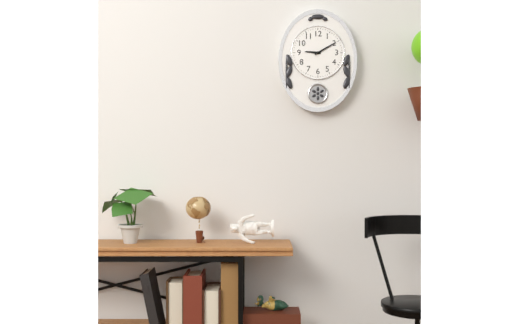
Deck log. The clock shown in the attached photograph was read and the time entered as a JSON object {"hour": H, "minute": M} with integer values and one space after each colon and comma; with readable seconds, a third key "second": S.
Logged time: {"hour": 9, "minute": 10}
